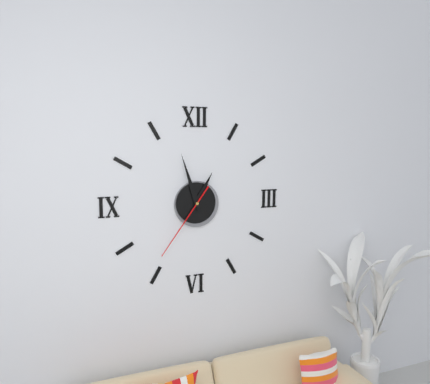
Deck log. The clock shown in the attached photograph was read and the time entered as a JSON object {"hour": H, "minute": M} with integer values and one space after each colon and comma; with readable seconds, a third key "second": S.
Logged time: {"hour": 12, "minute": 57, "second": 36}
